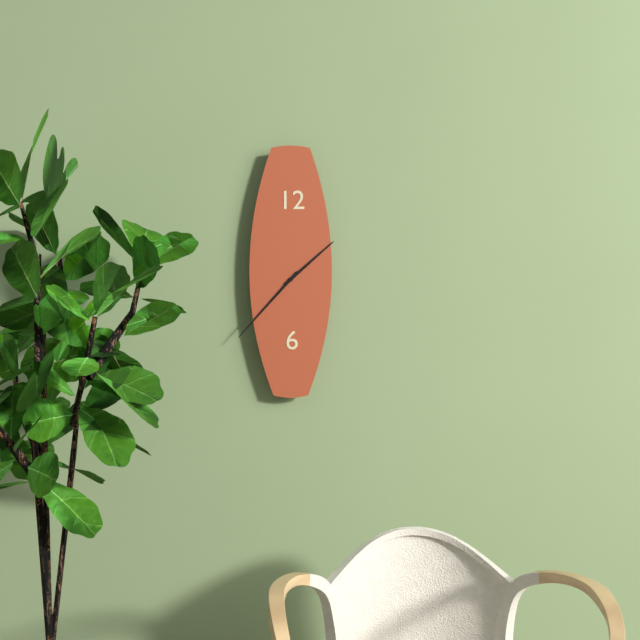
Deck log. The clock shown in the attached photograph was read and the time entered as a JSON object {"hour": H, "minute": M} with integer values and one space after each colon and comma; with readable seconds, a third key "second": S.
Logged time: {"hour": 1, "minute": 37}
